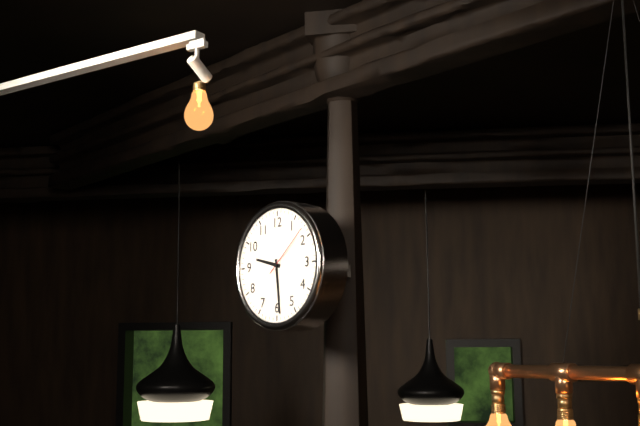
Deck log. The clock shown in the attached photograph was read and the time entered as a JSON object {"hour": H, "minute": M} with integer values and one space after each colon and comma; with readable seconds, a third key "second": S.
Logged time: {"hour": 9, "minute": 29, "second": 8}
